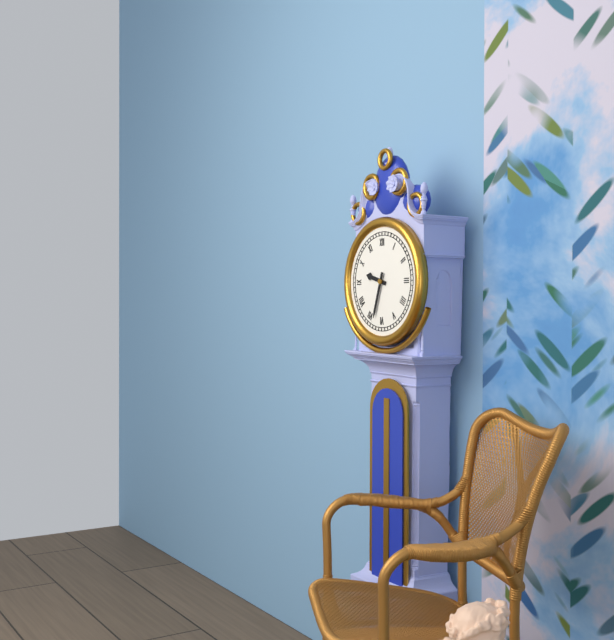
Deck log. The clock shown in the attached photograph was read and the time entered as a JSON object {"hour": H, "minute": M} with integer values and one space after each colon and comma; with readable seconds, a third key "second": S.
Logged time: {"hour": 9, "minute": 33}
